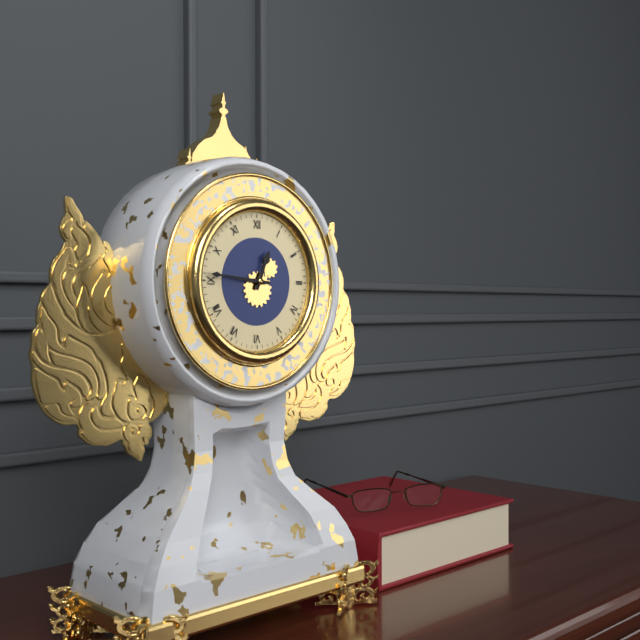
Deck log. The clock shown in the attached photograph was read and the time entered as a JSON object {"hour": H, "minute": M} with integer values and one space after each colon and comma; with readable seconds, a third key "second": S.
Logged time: {"hour": 12, "minute": 46}
